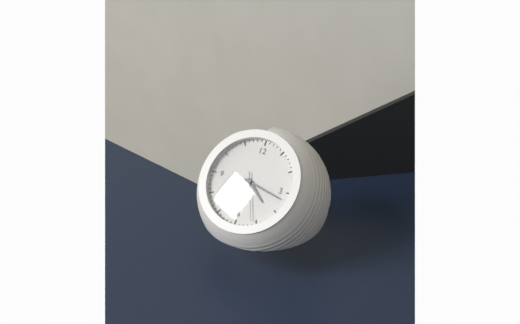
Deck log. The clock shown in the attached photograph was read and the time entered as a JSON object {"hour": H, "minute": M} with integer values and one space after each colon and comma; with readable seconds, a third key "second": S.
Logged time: {"hour": 4, "minute": 17, "second": 26}
